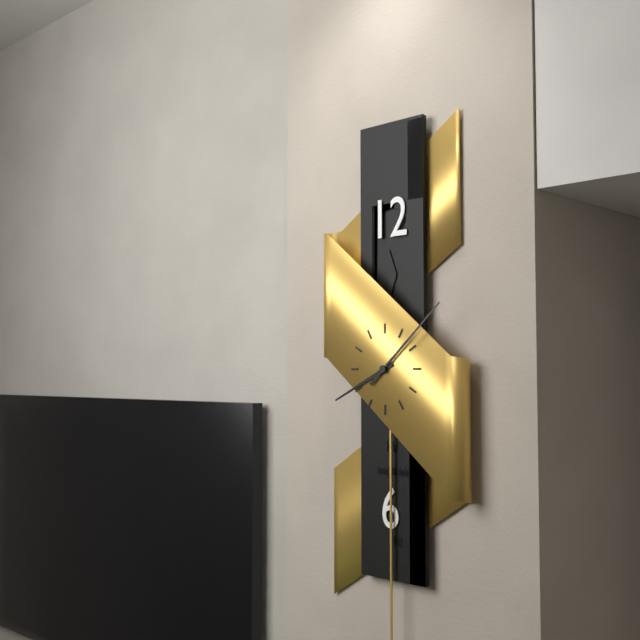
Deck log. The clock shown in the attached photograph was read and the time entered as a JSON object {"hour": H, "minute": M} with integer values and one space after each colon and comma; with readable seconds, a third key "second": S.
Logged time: {"hour": 8, "minute": 8}
